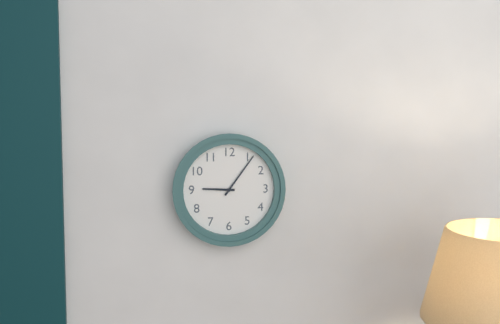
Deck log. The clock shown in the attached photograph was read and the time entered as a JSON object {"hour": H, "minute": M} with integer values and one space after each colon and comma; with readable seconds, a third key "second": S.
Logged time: {"hour": 9, "minute": 6}
